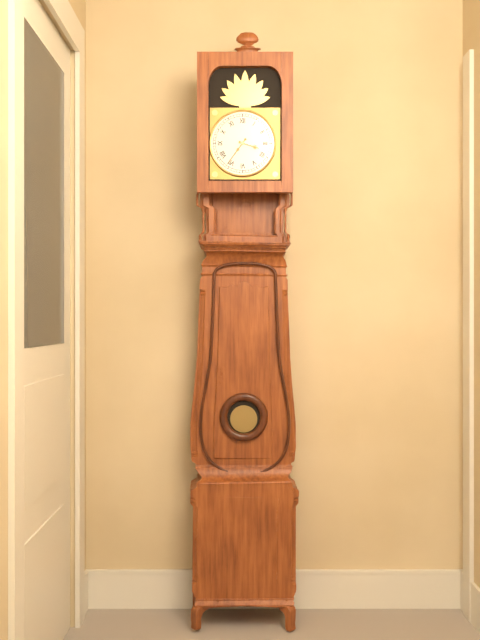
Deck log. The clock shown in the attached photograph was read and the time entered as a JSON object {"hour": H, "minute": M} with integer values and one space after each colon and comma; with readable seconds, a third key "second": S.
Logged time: {"hour": 3, "minute": 36}
